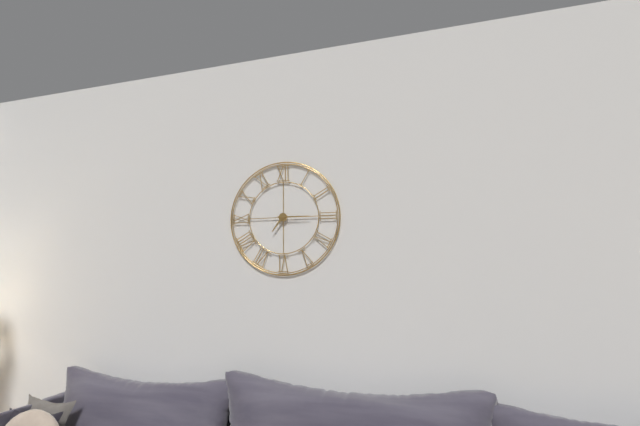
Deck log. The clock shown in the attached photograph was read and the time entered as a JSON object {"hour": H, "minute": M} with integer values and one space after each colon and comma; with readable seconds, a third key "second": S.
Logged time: {"hour": 7, "minute": 15}
